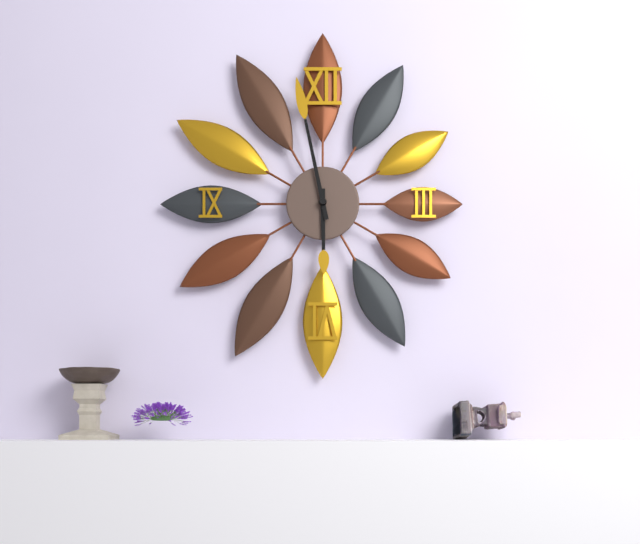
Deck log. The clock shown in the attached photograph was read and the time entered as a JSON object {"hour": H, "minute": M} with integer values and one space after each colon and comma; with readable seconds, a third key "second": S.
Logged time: {"hour": 5, "minute": 58}
